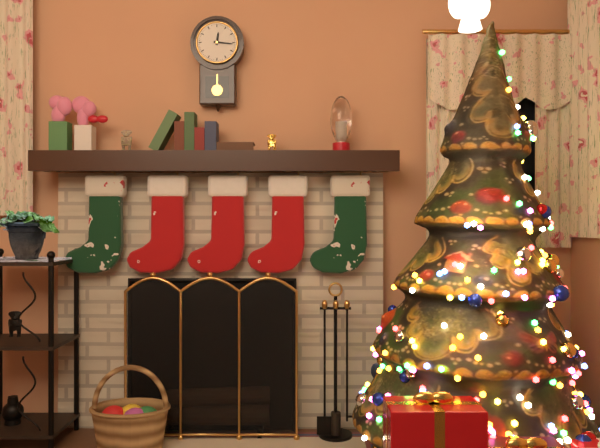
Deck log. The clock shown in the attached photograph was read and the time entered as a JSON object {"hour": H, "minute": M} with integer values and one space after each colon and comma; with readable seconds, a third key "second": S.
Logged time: {"hour": 12, "minute": 16}
